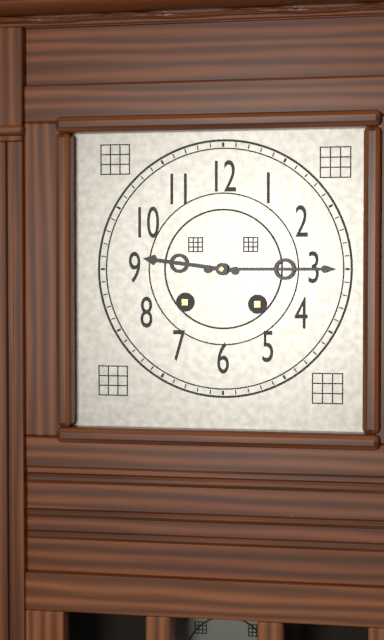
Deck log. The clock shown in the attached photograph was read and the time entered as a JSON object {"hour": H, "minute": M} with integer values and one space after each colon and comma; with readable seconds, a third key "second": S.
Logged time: {"hour": 9, "minute": 15}
